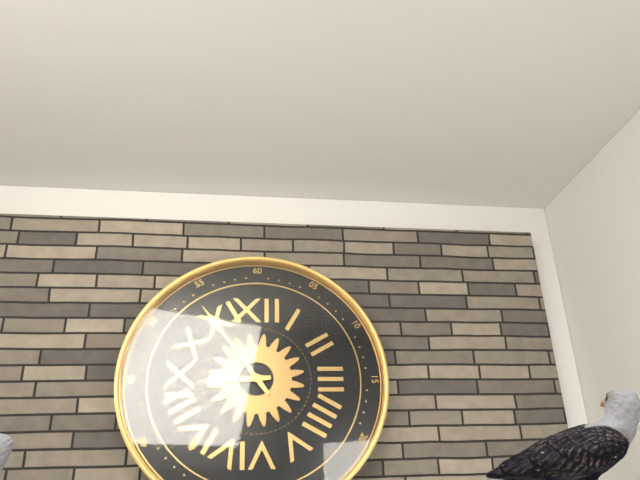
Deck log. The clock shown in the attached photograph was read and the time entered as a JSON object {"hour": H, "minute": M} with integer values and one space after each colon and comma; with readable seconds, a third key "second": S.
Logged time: {"hour": 8, "minute": 54}
